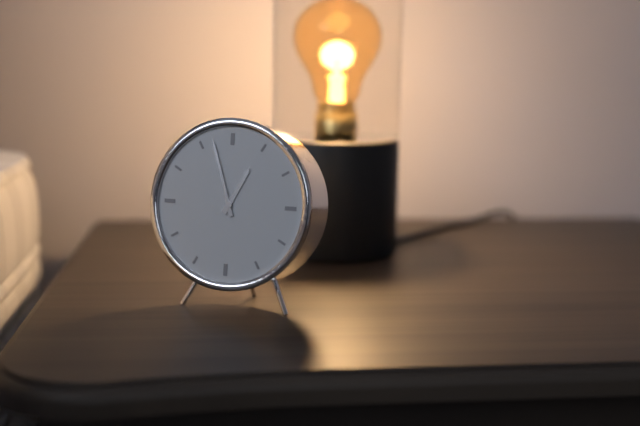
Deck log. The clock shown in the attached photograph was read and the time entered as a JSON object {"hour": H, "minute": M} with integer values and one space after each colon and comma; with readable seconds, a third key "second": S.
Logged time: {"hour": 12, "minute": 57}
